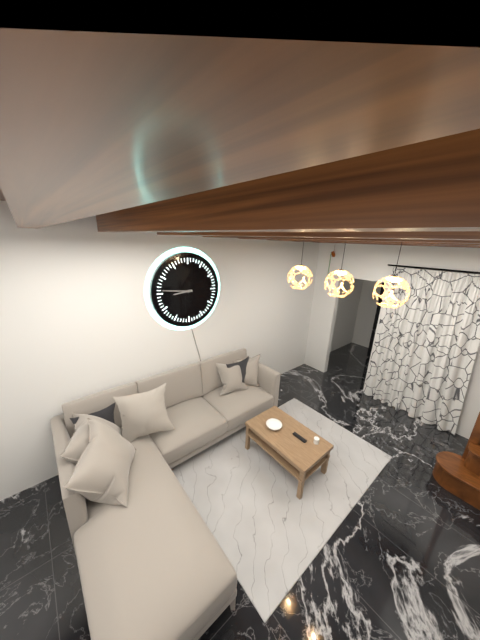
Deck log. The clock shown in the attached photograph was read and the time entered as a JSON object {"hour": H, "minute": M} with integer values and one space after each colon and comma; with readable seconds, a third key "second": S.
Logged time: {"hour": 8, "minute": 46}
